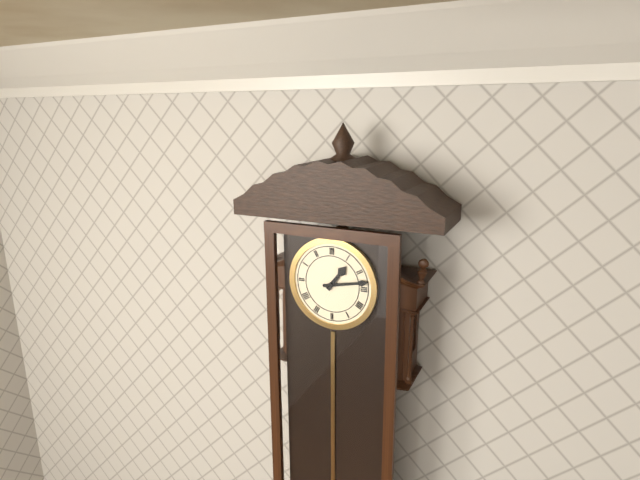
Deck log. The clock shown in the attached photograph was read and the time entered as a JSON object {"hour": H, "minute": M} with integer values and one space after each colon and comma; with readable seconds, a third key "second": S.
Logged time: {"hour": 1, "minute": 13}
